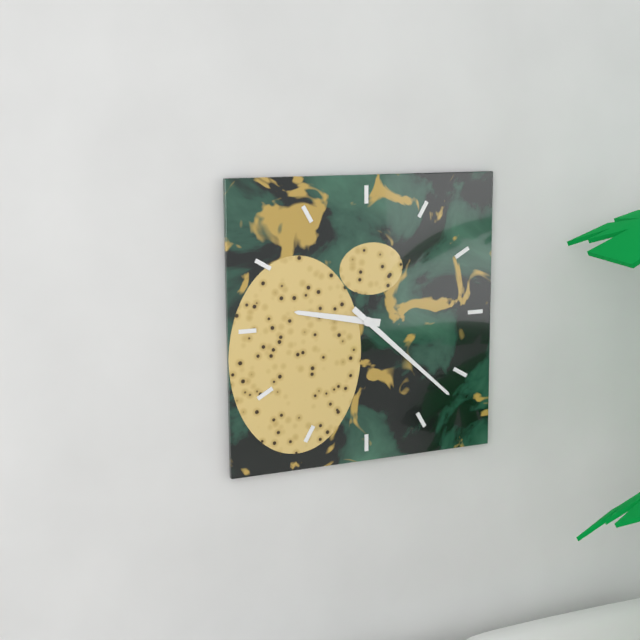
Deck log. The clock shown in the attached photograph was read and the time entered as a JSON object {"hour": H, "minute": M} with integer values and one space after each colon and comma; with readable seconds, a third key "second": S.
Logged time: {"hour": 9, "minute": 22}
